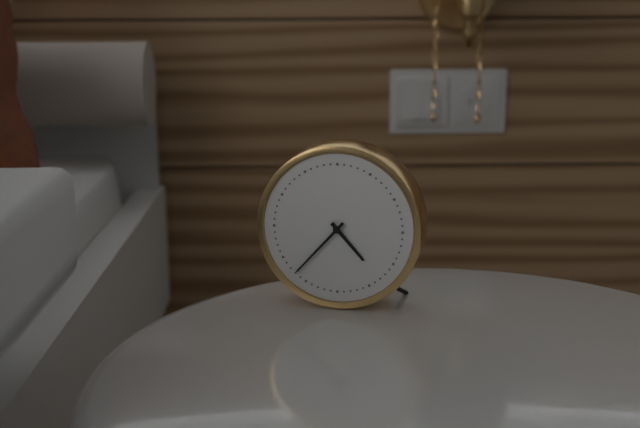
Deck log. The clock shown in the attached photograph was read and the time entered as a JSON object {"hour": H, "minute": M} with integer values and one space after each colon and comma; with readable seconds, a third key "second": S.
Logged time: {"hour": 4, "minute": 37}
